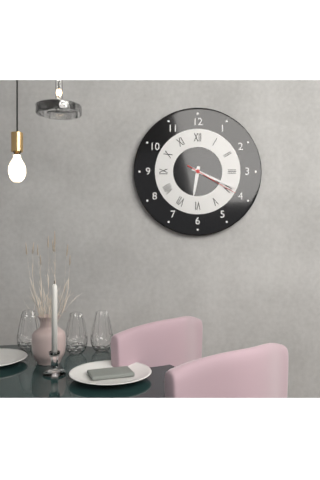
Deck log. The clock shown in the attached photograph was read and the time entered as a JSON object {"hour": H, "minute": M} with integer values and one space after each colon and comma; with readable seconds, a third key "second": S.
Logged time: {"hour": 6, "minute": 19, "second": 20}
